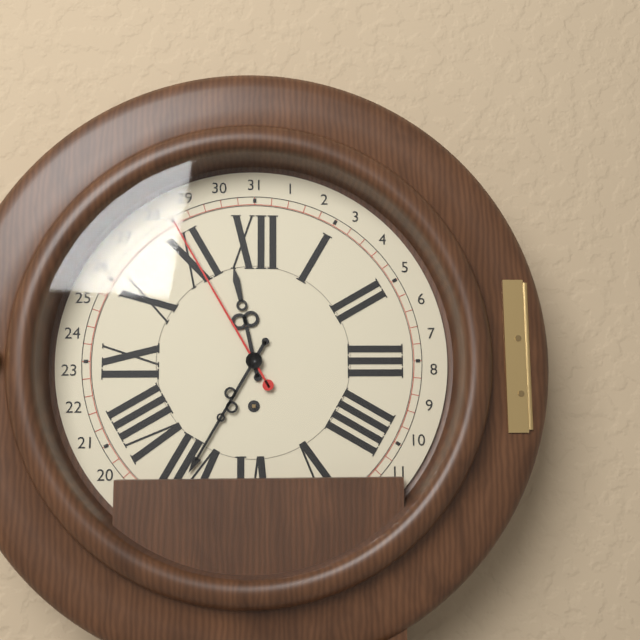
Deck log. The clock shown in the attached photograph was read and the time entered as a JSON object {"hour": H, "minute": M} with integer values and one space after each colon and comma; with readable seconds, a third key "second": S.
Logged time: {"hour": 11, "minute": 35, "second": 55}
